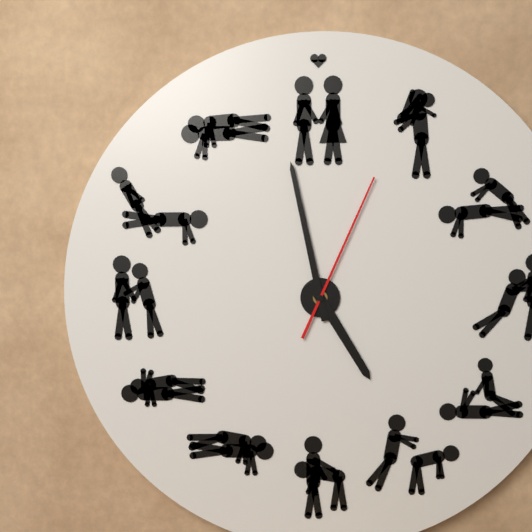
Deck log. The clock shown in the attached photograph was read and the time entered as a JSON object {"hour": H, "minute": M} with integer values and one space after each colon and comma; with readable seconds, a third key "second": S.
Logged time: {"hour": 4, "minute": 58, "second": 4}
